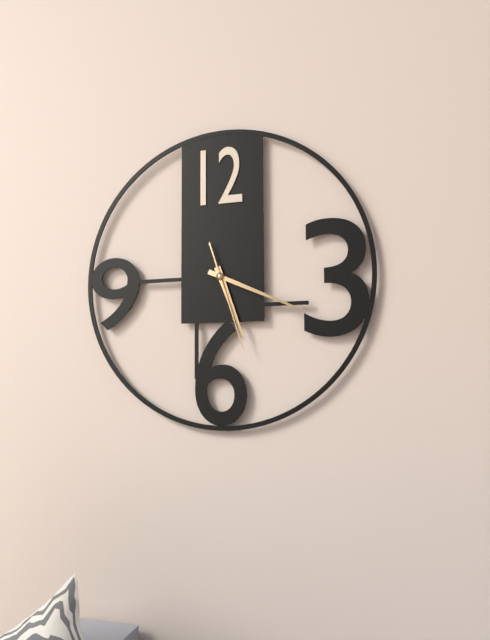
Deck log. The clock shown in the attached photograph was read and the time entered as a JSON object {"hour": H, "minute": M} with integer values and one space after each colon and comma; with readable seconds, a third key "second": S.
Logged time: {"hour": 5, "minute": 19, "second": 27}
